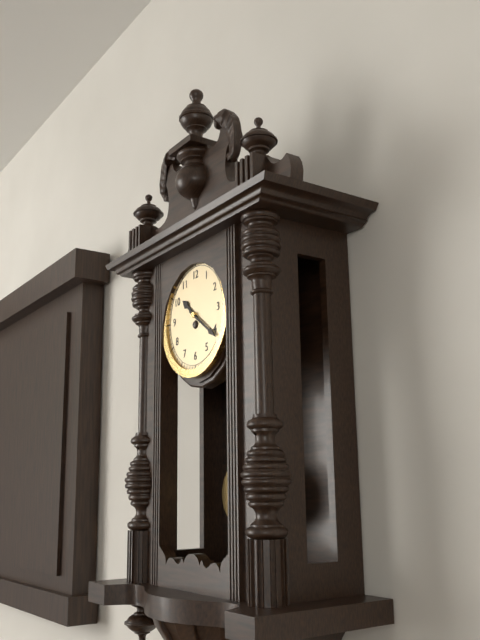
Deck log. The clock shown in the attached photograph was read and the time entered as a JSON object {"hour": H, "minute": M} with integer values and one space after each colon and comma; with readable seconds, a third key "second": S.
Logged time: {"hour": 10, "minute": 21}
